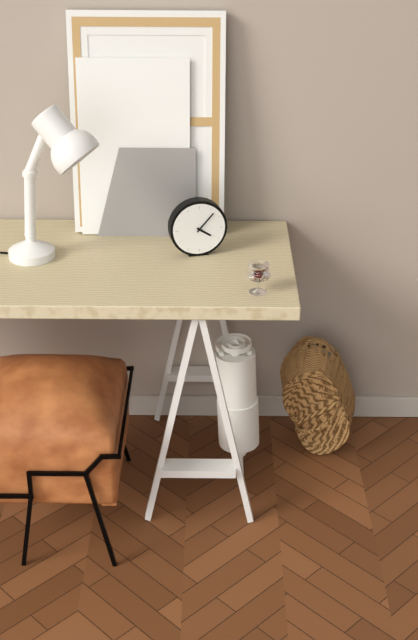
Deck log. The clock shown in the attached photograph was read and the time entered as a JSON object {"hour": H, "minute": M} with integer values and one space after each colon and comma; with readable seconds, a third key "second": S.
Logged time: {"hour": 4, "minute": 7}
